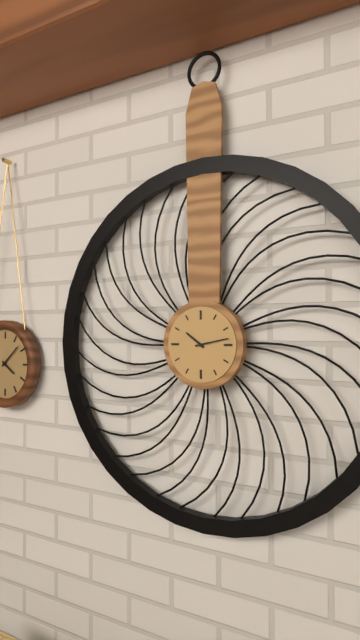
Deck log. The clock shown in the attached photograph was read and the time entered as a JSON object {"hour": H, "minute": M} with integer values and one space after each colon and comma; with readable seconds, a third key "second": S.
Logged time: {"hour": 10, "minute": 13}
